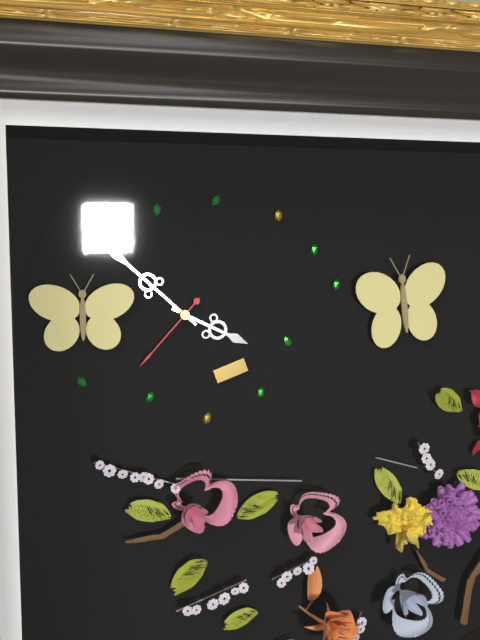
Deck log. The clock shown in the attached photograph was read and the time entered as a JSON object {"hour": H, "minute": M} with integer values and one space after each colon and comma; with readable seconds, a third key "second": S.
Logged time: {"hour": 3, "minute": 52, "second": 37}
